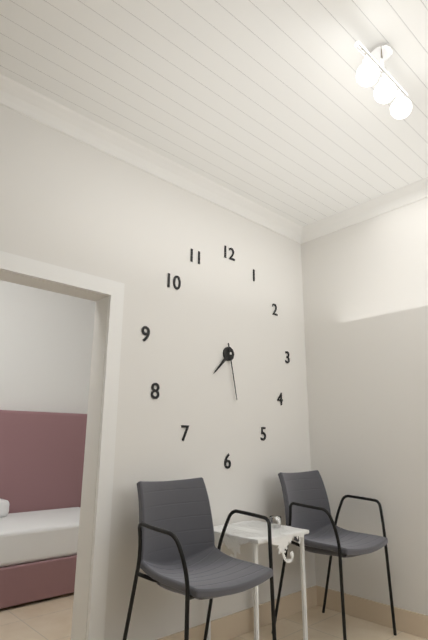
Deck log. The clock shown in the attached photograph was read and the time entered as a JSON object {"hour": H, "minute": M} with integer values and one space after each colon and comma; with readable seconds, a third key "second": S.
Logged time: {"hour": 7, "minute": 28}
